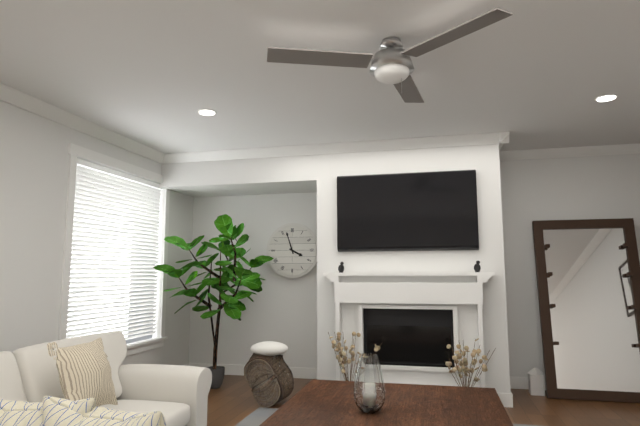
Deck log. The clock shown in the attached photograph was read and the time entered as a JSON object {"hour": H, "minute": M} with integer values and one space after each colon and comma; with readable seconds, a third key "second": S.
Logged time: {"hour": 3, "minute": 57}
